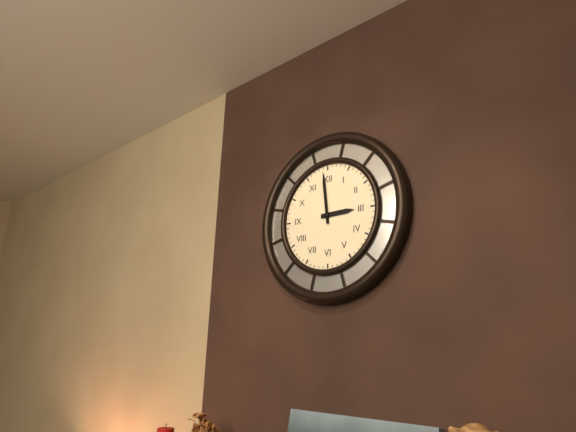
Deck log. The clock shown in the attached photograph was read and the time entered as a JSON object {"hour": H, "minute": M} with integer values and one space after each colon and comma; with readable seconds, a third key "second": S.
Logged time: {"hour": 2, "minute": 59}
